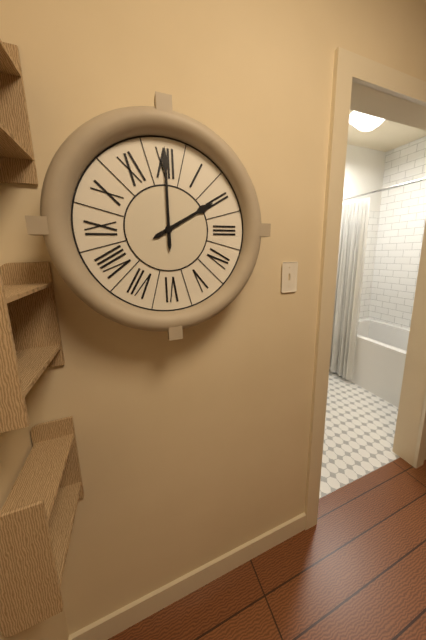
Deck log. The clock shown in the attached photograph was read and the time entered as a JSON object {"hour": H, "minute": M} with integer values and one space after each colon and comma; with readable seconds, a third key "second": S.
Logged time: {"hour": 2, "minute": 0}
